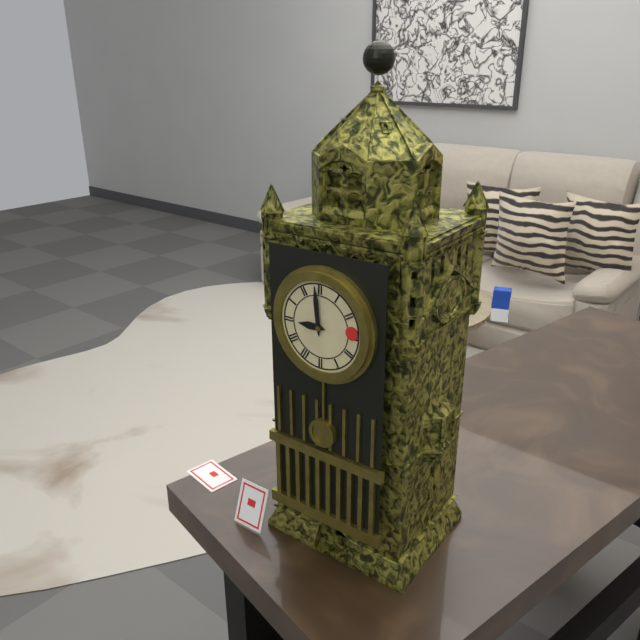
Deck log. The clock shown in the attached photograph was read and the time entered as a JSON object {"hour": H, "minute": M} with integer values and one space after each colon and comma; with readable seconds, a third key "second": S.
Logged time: {"hour": 8, "minute": 59}
